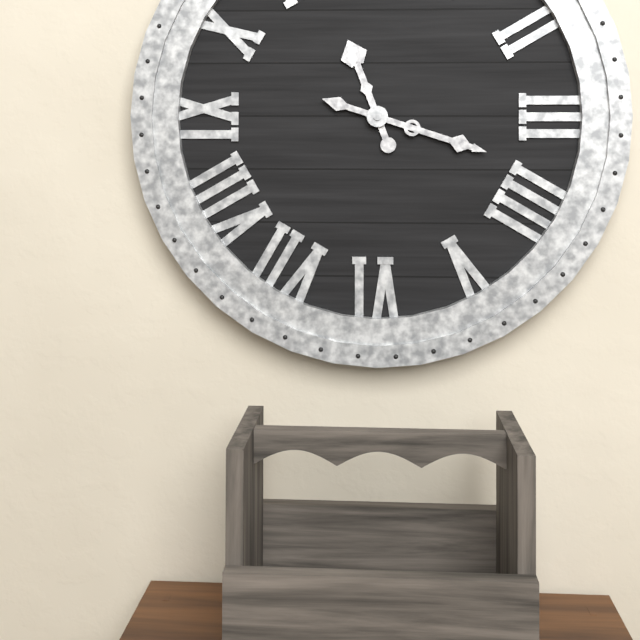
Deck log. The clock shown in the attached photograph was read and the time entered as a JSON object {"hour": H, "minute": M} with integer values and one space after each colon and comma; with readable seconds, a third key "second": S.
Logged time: {"hour": 11, "minute": 18}
